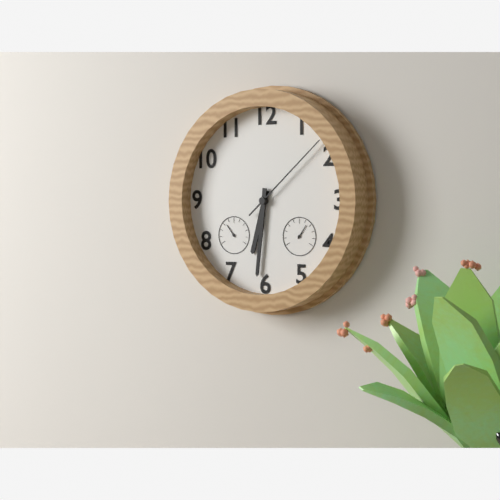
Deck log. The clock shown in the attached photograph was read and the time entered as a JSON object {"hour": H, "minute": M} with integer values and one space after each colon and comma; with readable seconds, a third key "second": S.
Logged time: {"hour": 6, "minute": 31, "second": 8}
